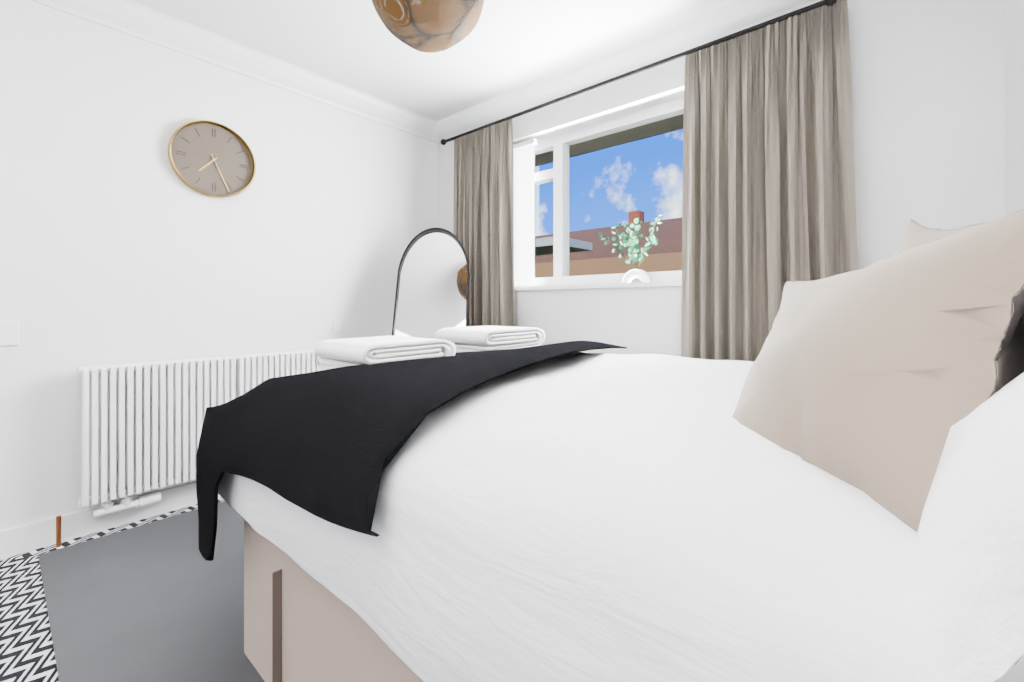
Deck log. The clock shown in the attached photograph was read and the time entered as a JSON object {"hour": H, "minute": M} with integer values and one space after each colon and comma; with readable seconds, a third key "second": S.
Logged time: {"hour": 7, "minute": 26}
